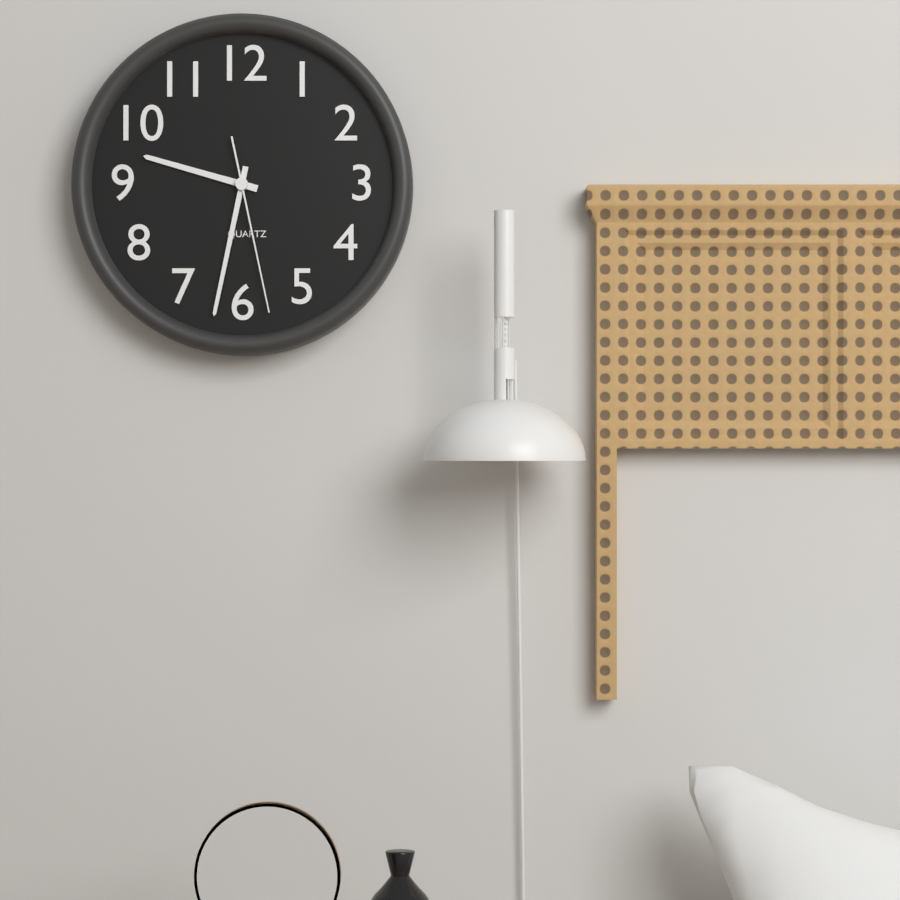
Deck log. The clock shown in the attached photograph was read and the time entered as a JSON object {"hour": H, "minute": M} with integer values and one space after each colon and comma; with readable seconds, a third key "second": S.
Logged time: {"hour": 9, "minute": 32, "second": 28}
